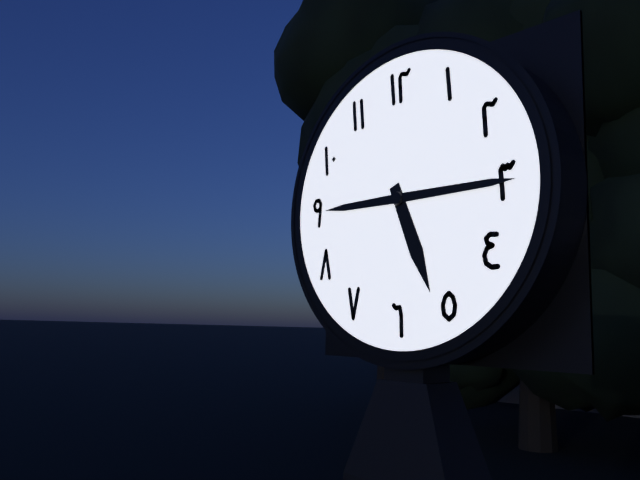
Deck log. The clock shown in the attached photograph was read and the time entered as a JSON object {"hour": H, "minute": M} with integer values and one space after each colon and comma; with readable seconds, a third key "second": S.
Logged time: {"hour": 5, "minute": 15}
